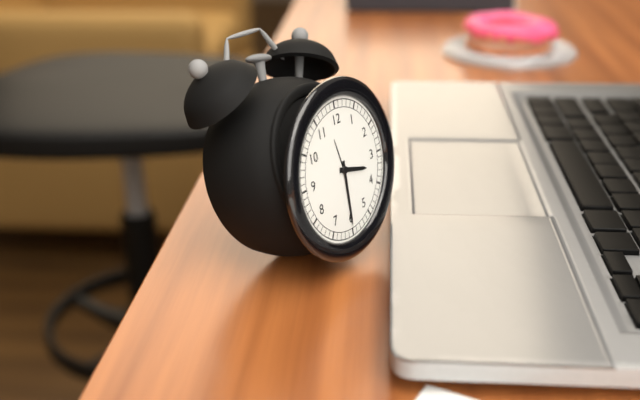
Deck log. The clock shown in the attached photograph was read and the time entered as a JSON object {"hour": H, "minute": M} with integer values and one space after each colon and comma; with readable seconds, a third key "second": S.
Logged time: {"hour": 3, "minute": 30}
